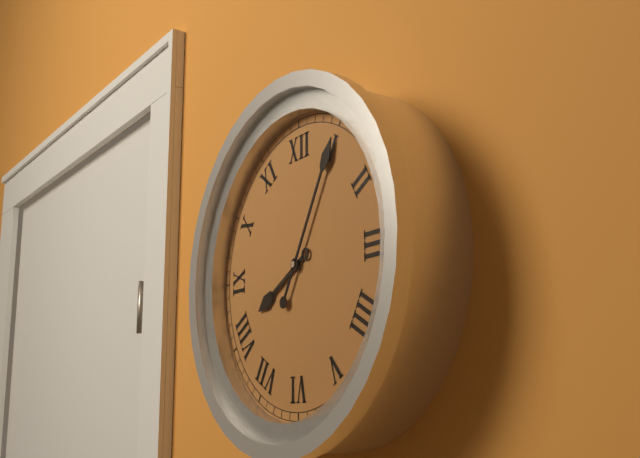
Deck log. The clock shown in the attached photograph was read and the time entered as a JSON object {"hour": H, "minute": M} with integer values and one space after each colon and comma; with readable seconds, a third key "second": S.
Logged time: {"hour": 8, "minute": 5}
